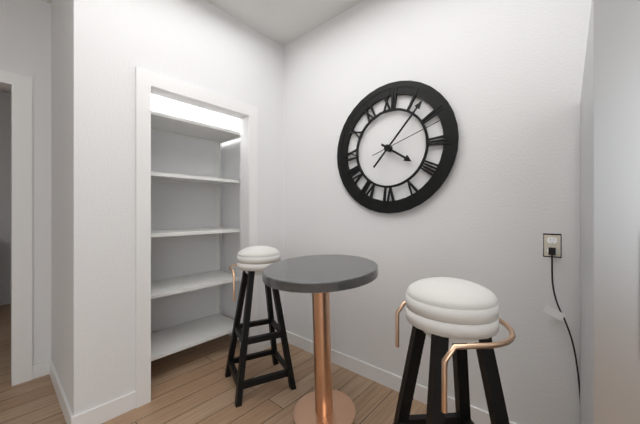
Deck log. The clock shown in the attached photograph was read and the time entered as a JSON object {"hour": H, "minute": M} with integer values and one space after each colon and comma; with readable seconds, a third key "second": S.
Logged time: {"hour": 4, "minute": 7, "second": 12}
